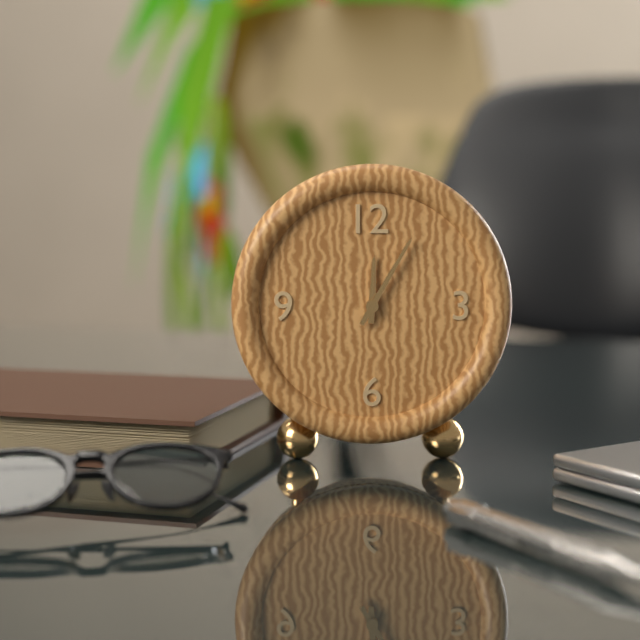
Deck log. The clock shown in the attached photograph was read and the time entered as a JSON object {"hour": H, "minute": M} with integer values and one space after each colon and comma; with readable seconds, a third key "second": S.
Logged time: {"hour": 12, "minute": 5}
